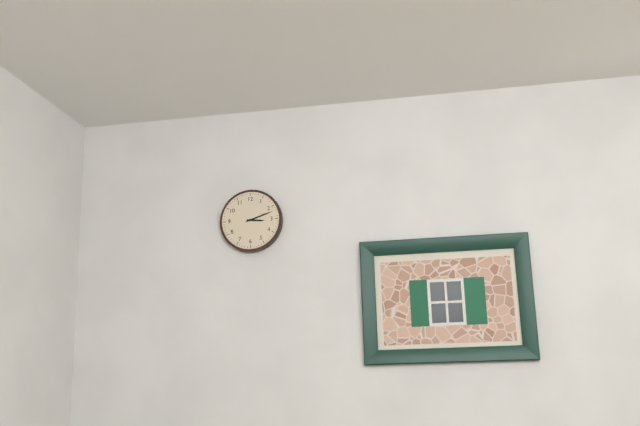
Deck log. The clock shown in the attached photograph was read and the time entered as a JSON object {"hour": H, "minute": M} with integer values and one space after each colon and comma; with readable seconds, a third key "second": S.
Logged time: {"hour": 3, "minute": 12}
